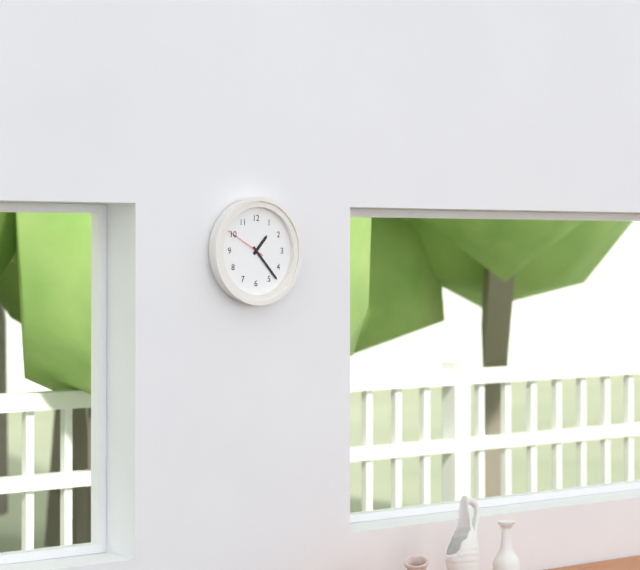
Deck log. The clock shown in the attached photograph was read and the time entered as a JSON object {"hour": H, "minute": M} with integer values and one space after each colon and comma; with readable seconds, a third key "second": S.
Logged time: {"hour": 1, "minute": 23}
